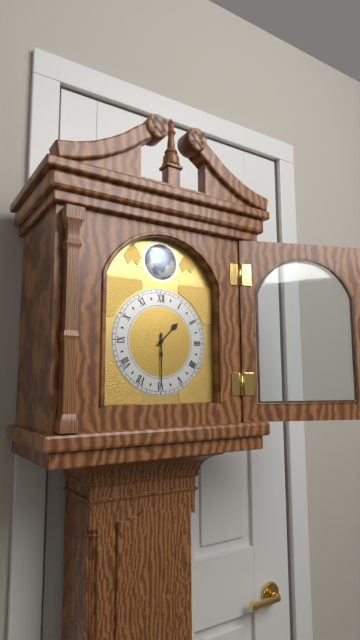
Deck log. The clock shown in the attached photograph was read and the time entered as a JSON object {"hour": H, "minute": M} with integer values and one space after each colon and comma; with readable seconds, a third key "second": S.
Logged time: {"hour": 1, "minute": 30}
